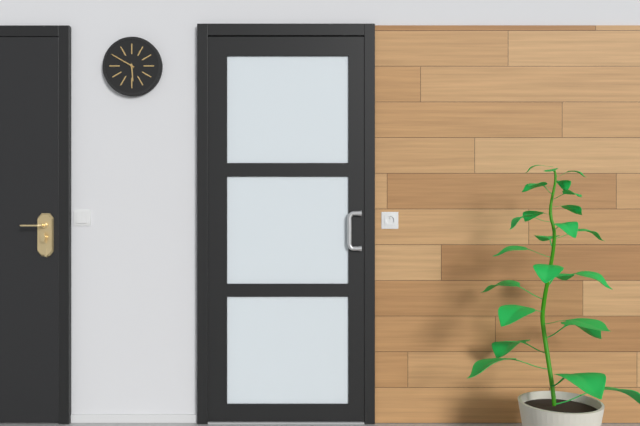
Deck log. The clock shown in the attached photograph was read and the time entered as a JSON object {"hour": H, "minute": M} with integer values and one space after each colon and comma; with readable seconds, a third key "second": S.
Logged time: {"hour": 5, "minute": 50}
